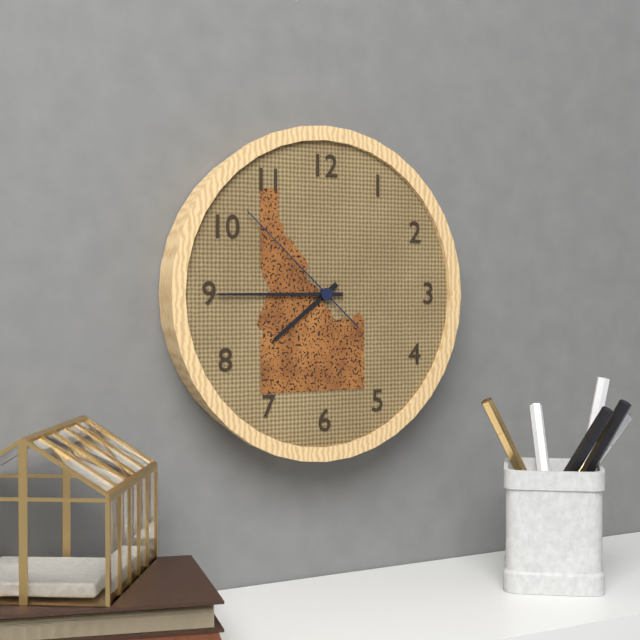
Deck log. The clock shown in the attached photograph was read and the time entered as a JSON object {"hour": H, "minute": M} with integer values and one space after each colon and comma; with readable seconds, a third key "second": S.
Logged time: {"hour": 7, "minute": 45, "second": 52}
